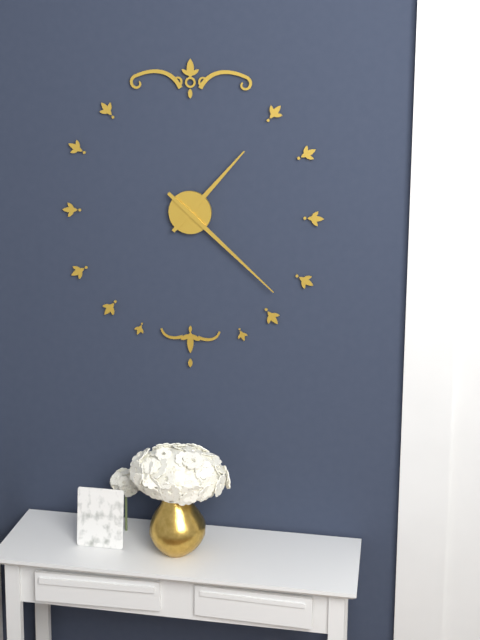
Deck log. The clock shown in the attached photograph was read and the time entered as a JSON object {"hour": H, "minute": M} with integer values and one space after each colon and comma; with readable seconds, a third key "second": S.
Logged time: {"hour": 1, "minute": 22}
